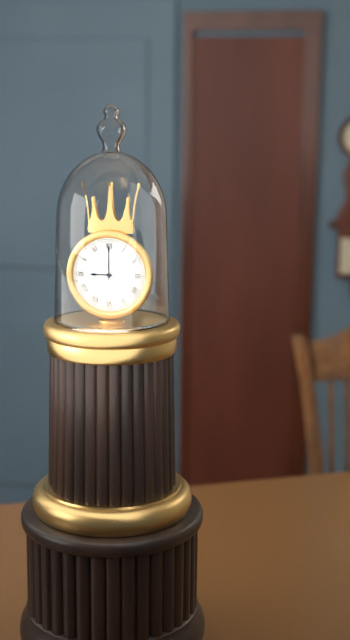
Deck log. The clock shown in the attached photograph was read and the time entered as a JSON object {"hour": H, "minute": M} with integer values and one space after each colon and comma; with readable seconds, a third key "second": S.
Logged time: {"hour": 9, "minute": 0}
